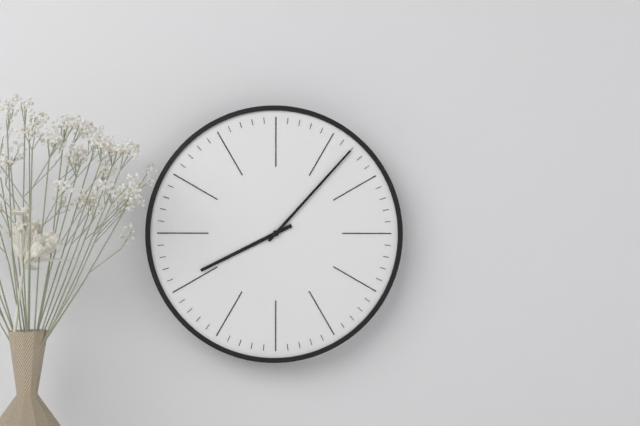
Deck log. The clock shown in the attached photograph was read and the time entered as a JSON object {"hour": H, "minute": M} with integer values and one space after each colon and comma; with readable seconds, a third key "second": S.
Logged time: {"hour": 8, "minute": 7}
